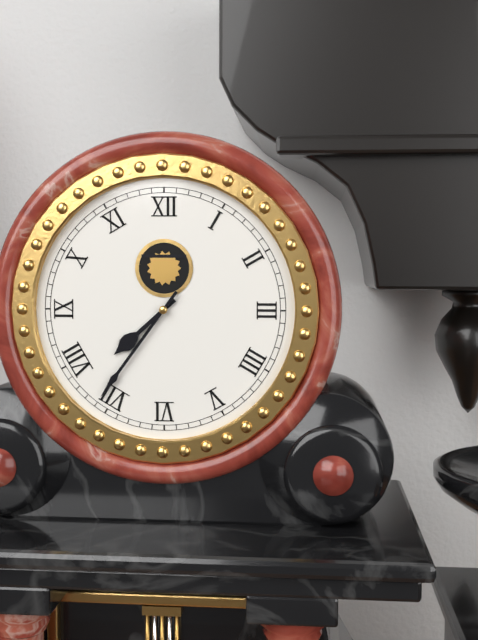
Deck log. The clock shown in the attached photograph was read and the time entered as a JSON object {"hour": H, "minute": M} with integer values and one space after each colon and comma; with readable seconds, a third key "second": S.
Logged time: {"hour": 7, "minute": 36}
